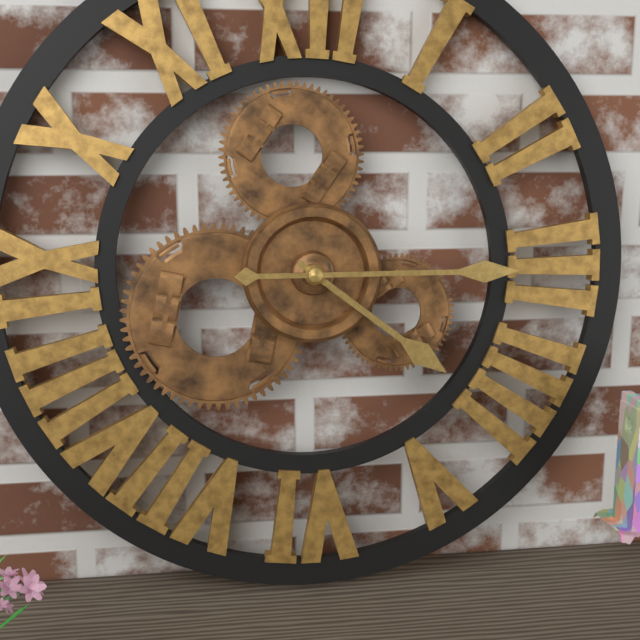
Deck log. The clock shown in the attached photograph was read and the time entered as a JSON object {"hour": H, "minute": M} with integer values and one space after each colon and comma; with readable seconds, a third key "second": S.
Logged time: {"hour": 4, "minute": 15}
